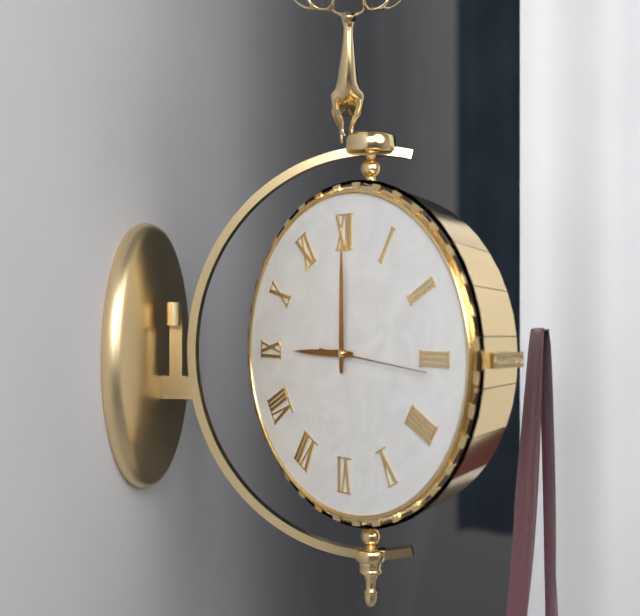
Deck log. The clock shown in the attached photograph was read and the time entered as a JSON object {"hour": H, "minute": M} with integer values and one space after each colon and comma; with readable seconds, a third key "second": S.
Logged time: {"hour": 9, "minute": 0, "second": 16}
